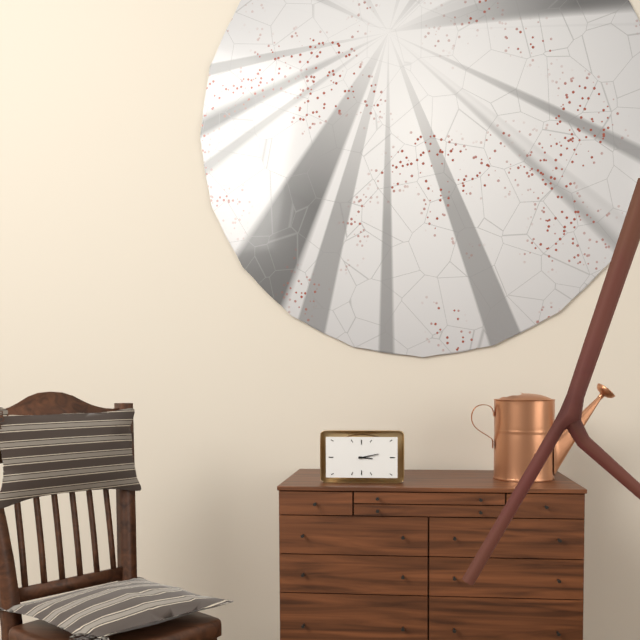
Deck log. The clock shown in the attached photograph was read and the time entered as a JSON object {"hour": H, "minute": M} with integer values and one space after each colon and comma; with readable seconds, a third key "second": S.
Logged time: {"hour": 3, "minute": 13}
